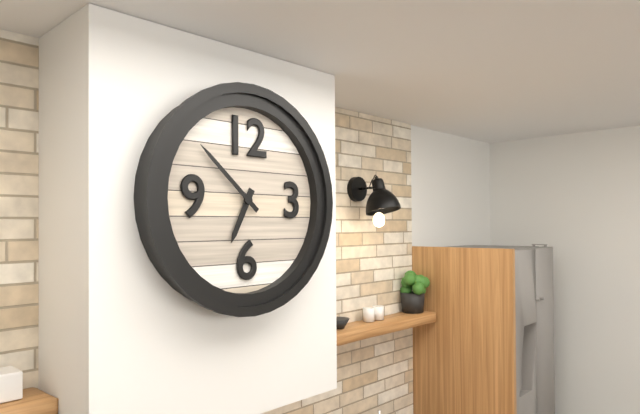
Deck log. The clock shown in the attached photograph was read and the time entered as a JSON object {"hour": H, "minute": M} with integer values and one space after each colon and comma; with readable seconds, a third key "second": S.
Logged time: {"hour": 6, "minute": 52}
